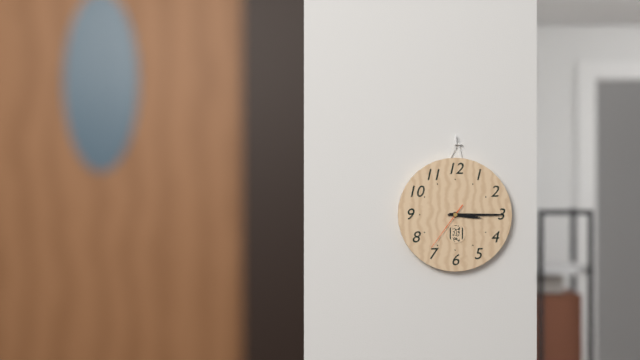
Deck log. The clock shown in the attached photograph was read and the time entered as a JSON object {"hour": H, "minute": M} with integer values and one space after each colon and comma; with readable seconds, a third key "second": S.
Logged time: {"hour": 3, "minute": 15, "second": 36}
